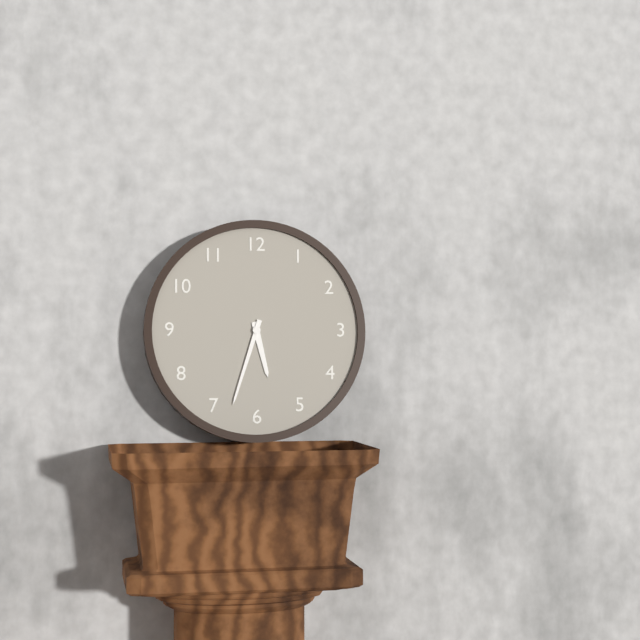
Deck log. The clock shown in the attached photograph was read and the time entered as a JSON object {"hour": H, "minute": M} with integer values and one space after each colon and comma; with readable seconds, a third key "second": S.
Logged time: {"hour": 5, "minute": 33}
